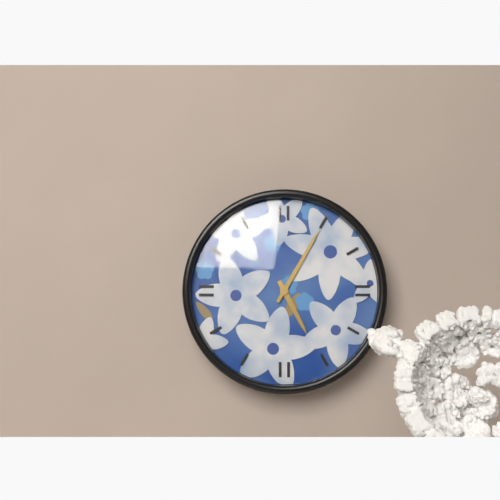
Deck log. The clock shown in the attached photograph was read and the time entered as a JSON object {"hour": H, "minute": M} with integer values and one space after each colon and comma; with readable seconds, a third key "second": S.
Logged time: {"hour": 5, "minute": 5}
